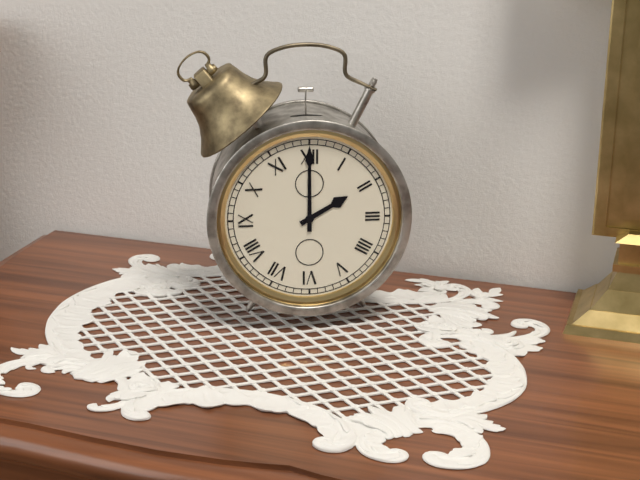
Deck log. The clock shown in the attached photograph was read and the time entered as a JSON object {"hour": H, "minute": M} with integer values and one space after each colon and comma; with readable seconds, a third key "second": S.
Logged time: {"hour": 2, "minute": 0}
